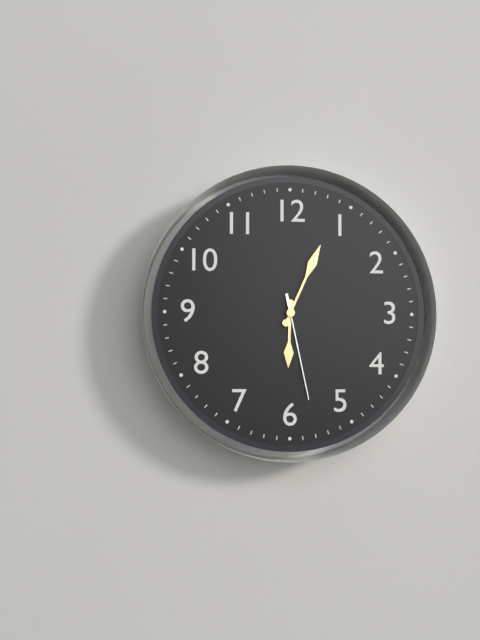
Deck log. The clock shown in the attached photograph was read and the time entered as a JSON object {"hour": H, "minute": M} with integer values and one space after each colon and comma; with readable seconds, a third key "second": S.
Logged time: {"hour": 6, "minute": 4, "second": 28}
